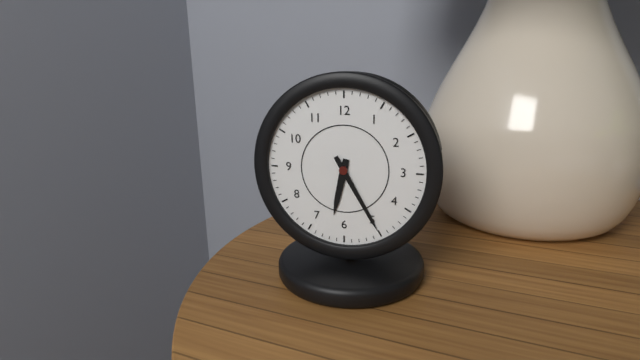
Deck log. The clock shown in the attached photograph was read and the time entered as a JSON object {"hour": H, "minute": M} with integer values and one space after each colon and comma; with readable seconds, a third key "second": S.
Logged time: {"hour": 6, "minute": 25}
